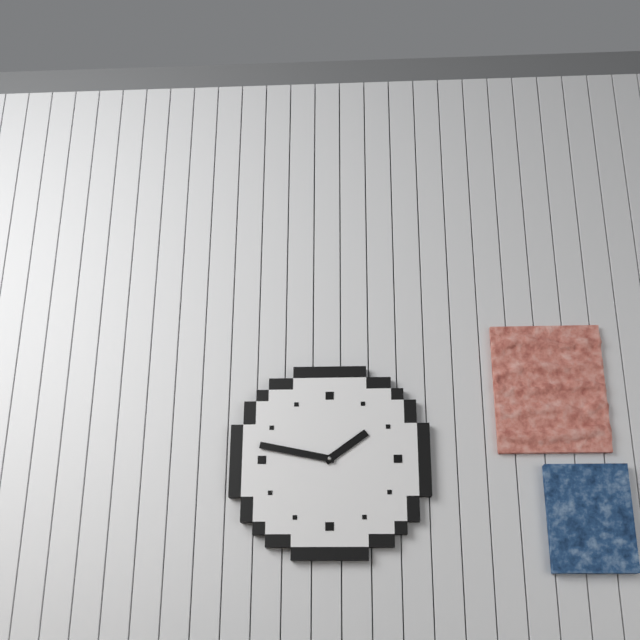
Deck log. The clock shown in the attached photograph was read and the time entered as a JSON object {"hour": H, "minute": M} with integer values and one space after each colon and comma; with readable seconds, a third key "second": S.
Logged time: {"hour": 1, "minute": 47}
